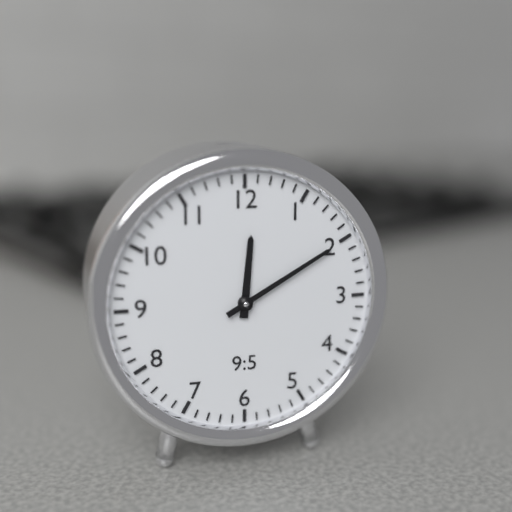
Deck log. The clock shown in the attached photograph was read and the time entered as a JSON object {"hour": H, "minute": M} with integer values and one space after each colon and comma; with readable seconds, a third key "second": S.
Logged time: {"hour": 12, "minute": 10}
